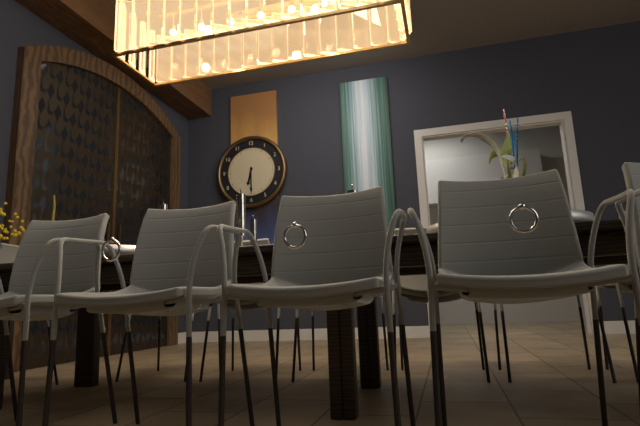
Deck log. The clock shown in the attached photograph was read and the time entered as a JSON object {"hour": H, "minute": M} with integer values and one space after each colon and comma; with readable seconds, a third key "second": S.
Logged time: {"hour": 6, "minute": 30}
